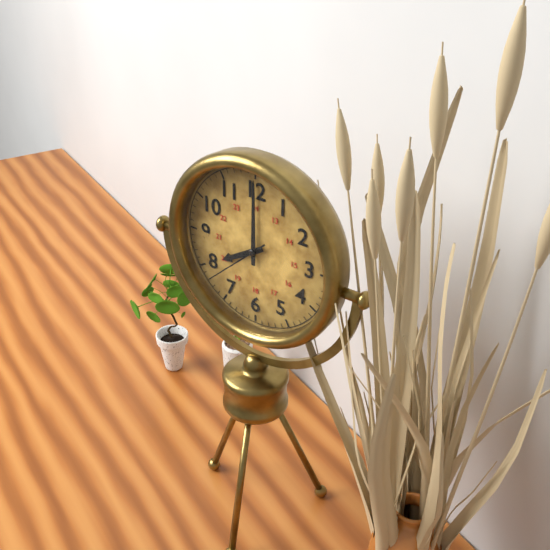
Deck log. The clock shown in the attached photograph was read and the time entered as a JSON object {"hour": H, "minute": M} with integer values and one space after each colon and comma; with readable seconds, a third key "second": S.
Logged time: {"hour": 8, "minute": 0, "second": 38}
